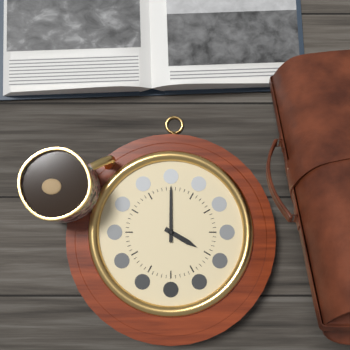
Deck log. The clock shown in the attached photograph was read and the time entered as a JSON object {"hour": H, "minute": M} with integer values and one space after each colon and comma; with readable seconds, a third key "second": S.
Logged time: {"hour": 4, "minute": 0}
